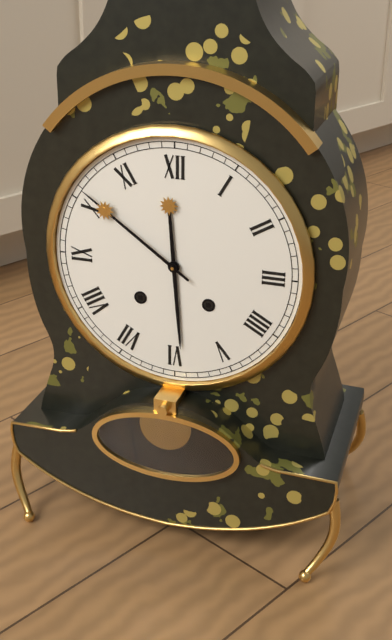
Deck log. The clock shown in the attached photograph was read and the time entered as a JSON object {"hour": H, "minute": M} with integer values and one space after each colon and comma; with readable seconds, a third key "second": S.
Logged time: {"hour": 5, "minute": 51}
